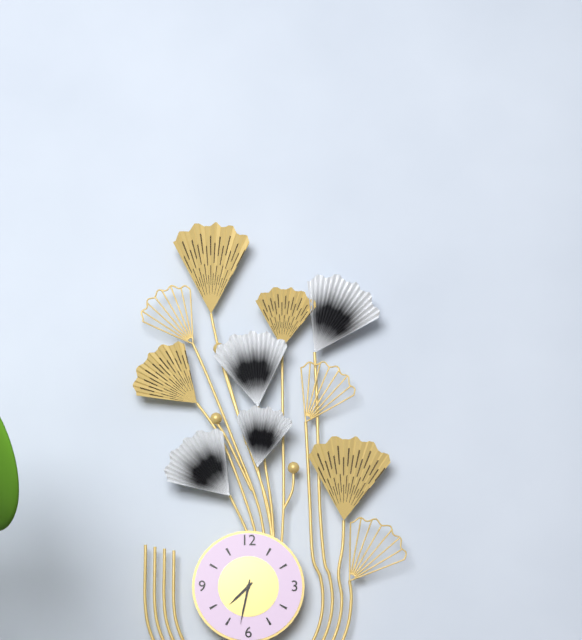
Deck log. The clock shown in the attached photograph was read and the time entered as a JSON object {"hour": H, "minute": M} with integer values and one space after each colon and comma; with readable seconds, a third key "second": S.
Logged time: {"hour": 7, "minute": 32}
